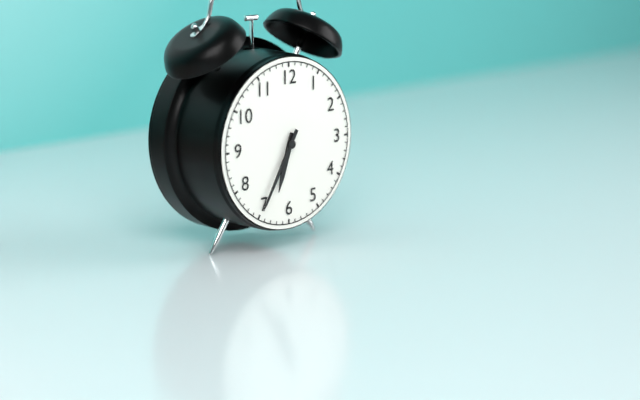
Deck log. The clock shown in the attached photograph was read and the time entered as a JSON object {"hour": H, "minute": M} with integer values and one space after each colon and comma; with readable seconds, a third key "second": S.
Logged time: {"hour": 6, "minute": 35}
